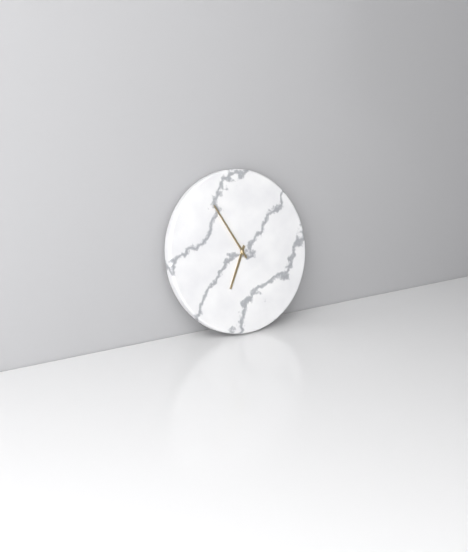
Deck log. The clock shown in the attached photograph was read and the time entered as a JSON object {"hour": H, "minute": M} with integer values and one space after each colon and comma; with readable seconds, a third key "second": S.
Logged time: {"hour": 6, "minute": 55}
